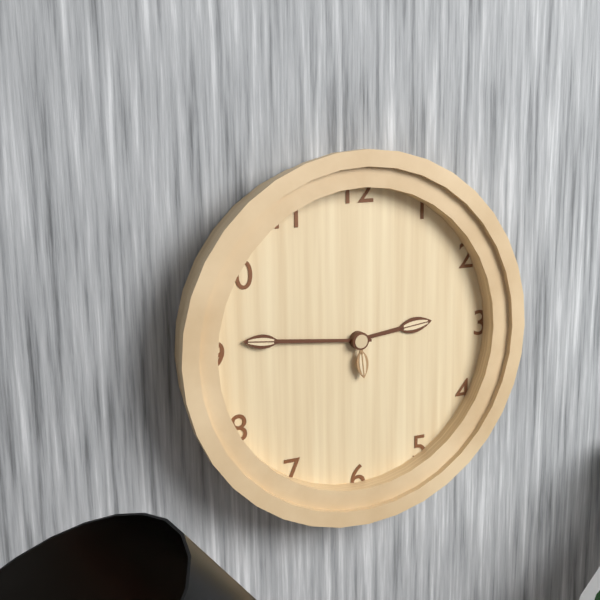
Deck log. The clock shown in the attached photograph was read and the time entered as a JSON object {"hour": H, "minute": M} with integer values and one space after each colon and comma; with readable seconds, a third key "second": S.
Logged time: {"hour": 2, "minute": 46}
